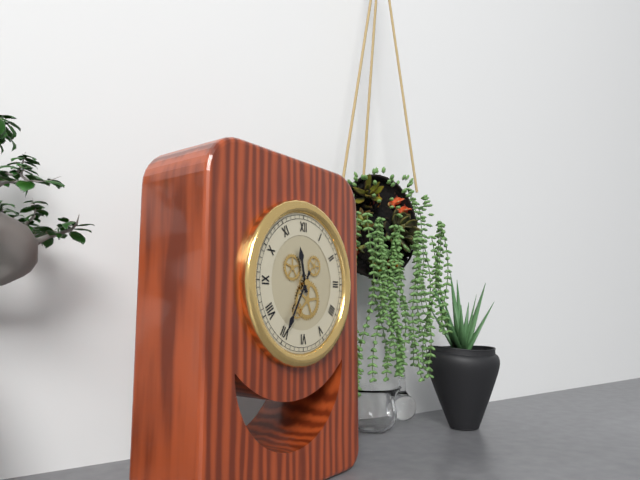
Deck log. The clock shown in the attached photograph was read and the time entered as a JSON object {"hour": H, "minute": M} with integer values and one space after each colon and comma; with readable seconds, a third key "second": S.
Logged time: {"hour": 11, "minute": 35}
